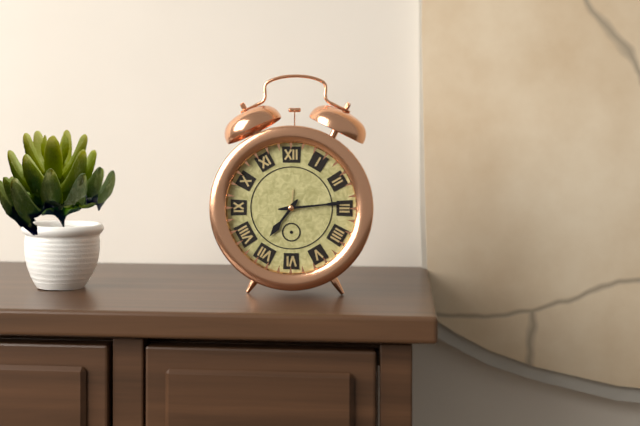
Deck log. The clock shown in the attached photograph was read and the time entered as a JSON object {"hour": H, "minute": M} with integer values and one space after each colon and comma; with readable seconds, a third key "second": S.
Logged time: {"hour": 7, "minute": 14}
